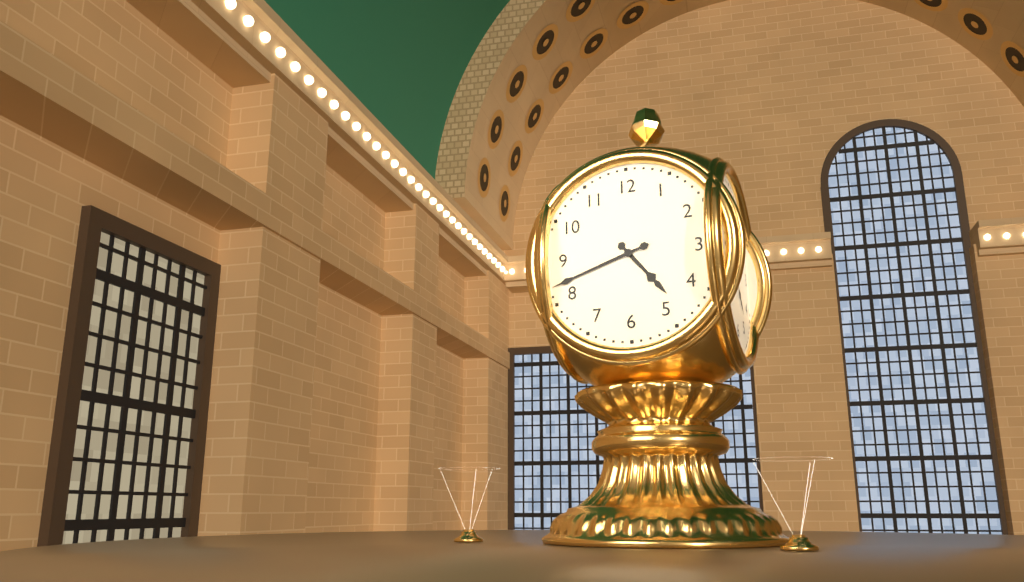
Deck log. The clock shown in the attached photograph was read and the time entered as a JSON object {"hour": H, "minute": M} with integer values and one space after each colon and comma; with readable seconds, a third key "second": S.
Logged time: {"hour": 4, "minute": 42}
